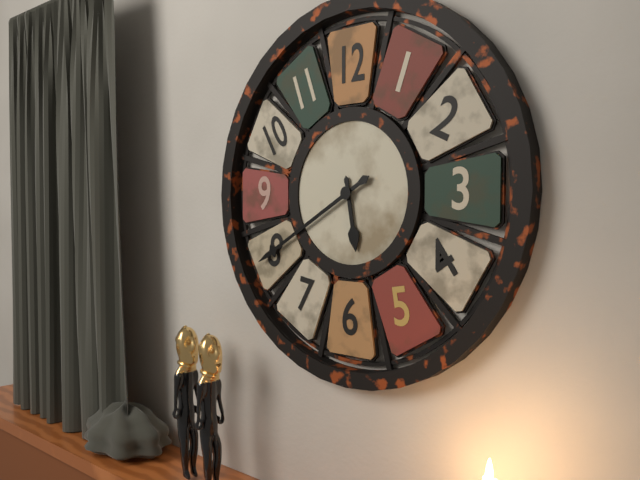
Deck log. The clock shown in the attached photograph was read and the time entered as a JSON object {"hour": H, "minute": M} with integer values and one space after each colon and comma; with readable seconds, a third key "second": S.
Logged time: {"hour": 5, "minute": 40}
